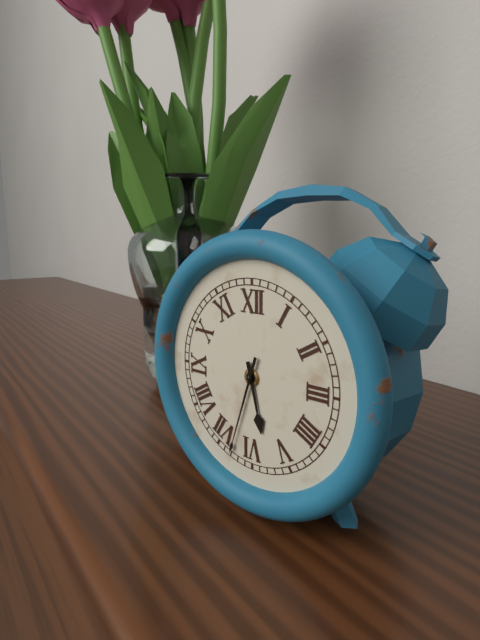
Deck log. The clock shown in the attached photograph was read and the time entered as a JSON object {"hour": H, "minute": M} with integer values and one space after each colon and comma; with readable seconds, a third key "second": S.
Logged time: {"hour": 5, "minute": 33}
